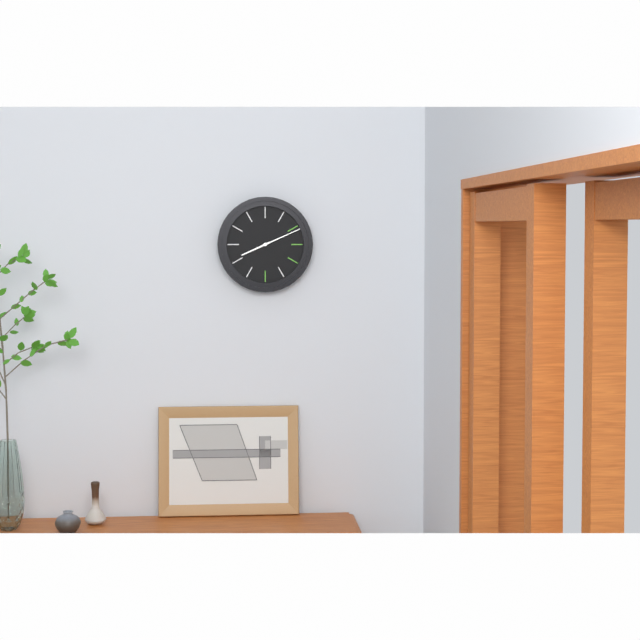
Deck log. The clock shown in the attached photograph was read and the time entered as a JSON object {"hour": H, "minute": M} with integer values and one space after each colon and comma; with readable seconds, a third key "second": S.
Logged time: {"hour": 8, "minute": 11}
